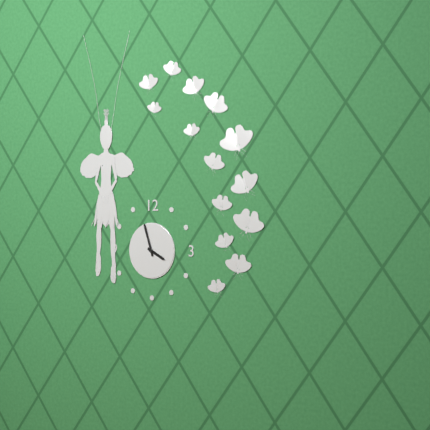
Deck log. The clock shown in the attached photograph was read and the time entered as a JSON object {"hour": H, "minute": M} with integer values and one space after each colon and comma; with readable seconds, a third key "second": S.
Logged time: {"hour": 3, "minute": 57}
